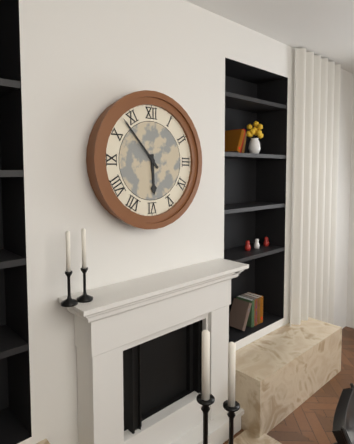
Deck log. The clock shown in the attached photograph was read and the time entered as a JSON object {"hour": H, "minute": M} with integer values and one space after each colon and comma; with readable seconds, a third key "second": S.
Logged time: {"hour": 5, "minute": 53}
